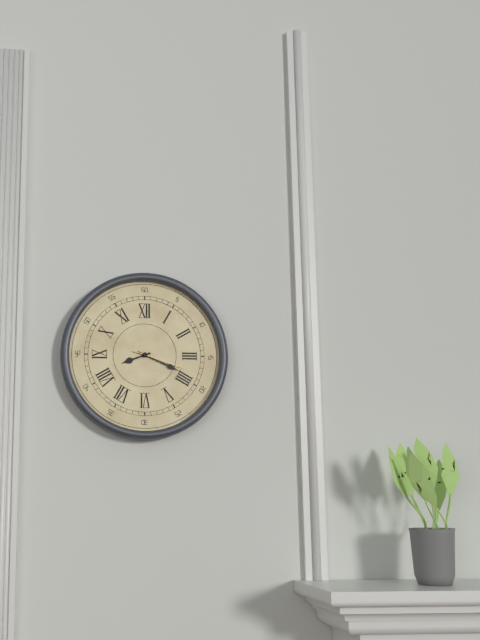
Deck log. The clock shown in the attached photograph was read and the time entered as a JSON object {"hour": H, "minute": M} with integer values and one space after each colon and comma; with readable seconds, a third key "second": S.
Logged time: {"hour": 8, "minute": 19, "second": 18}
